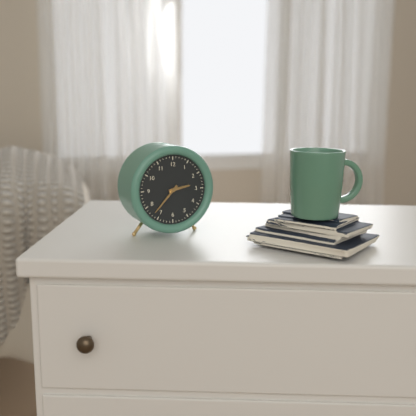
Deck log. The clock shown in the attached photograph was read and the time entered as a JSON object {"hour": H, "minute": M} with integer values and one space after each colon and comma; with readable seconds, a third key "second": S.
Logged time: {"hour": 2, "minute": 37}
